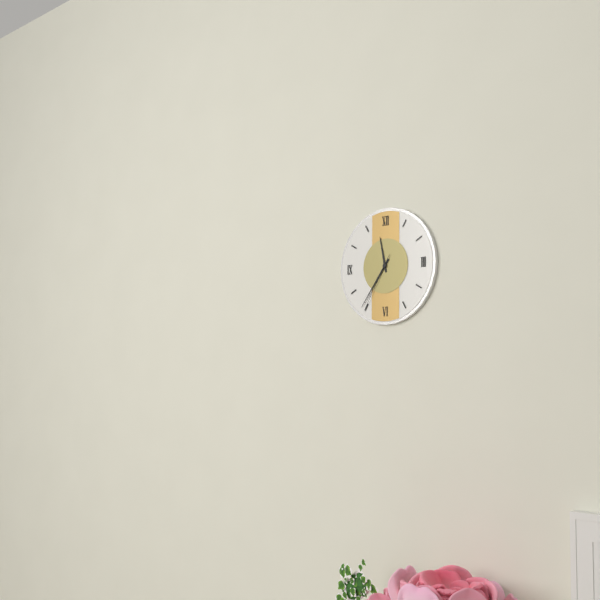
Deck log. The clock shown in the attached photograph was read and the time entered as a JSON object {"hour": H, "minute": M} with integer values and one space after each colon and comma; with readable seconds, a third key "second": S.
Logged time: {"hour": 11, "minute": 36, "second": 35}
